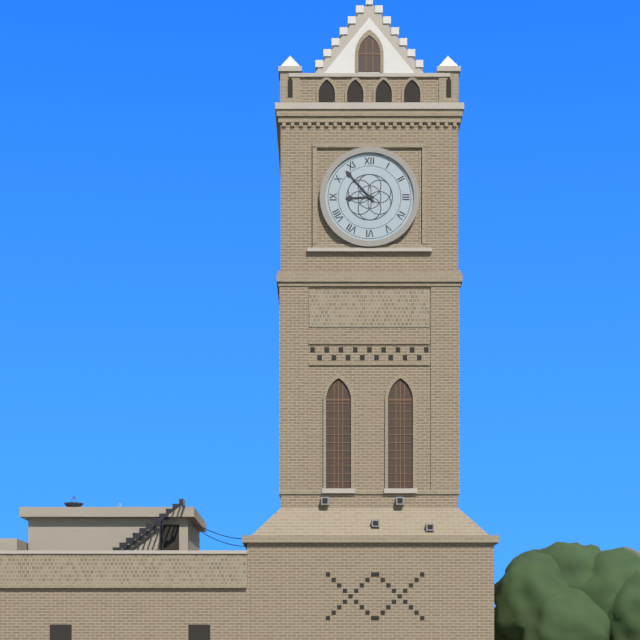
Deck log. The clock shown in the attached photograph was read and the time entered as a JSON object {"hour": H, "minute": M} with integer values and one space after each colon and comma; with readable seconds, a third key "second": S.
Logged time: {"hour": 8, "minute": 53}
